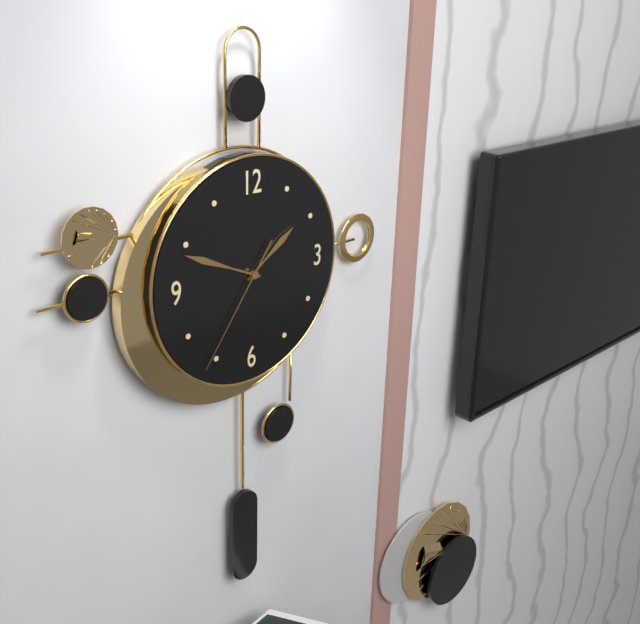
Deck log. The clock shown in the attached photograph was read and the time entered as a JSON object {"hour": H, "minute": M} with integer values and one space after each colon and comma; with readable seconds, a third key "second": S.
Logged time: {"hour": 1, "minute": 49, "second": 36}
